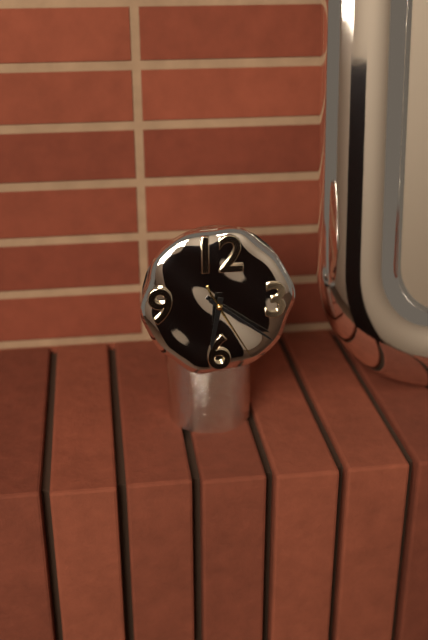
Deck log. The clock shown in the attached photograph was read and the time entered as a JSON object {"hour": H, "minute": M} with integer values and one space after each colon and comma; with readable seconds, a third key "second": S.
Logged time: {"hour": 6, "minute": 21, "second": 25}
